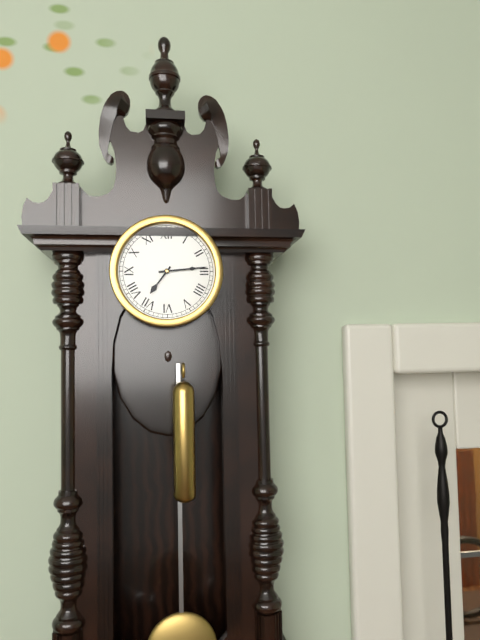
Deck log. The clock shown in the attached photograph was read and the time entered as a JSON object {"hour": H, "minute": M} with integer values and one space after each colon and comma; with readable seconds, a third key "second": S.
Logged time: {"hour": 7, "minute": 14}
